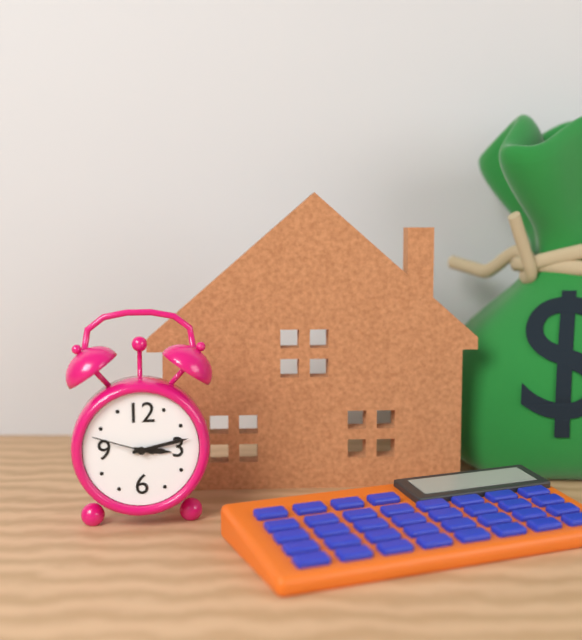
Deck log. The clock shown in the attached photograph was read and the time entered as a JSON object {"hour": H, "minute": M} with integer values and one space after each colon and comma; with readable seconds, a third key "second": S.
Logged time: {"hour": 3, "minute": 13, "second": 48}
